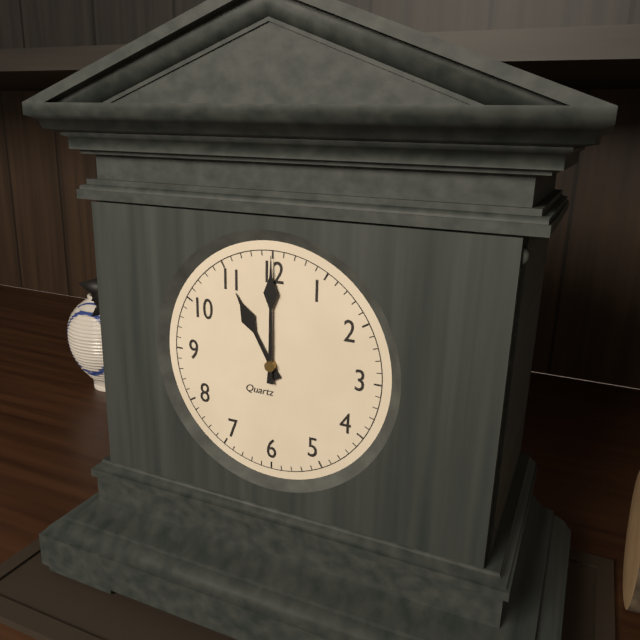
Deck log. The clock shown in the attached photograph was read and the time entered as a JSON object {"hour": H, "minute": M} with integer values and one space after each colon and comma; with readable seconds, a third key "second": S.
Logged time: {"hour": 11, "minute": 0}
